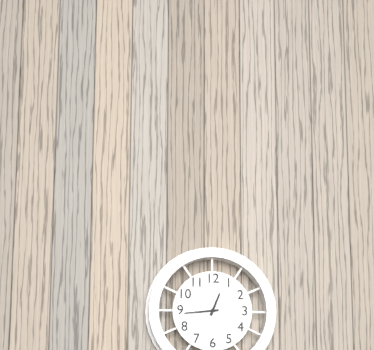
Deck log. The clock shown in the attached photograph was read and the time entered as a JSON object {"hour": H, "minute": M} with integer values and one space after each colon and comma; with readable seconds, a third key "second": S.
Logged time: {"hour": 12, "minute": 44}
